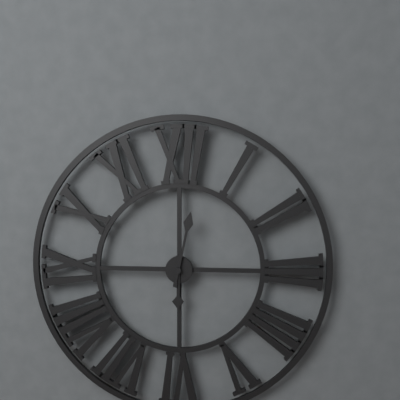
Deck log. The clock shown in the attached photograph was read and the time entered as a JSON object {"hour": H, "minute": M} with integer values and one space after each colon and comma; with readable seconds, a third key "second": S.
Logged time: {"hour": 6, "minute": 2}
